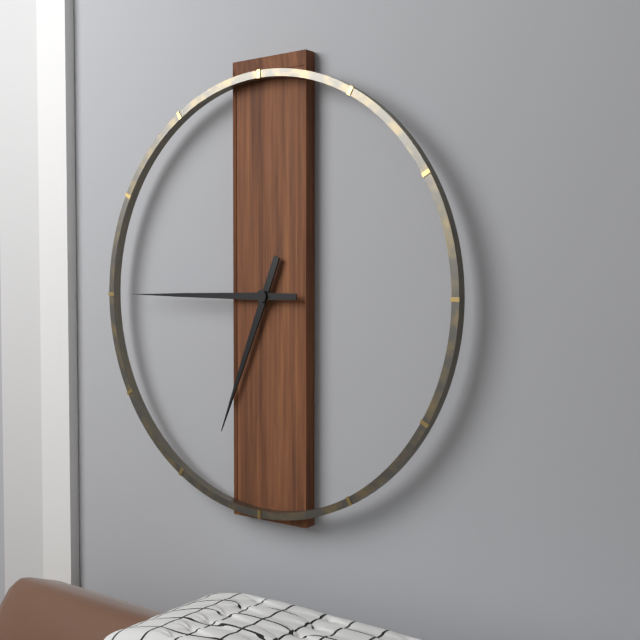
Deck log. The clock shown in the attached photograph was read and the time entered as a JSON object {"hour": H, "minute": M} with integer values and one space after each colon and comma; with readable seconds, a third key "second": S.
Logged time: {"hour": 6, "minute": 45}
